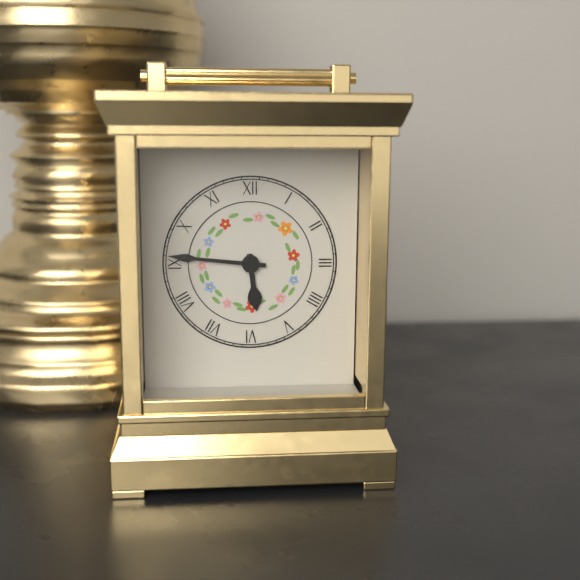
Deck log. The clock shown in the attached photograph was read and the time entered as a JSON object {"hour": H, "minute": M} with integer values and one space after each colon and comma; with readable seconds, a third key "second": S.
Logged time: {"hour": 5, "minute": 46}
